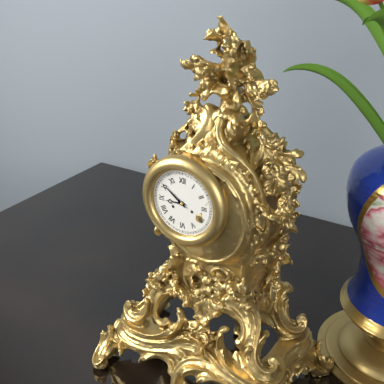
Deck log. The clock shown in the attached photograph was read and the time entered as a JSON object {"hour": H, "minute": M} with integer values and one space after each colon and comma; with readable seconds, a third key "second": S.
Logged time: {"hour": 8, "minute": 51}
